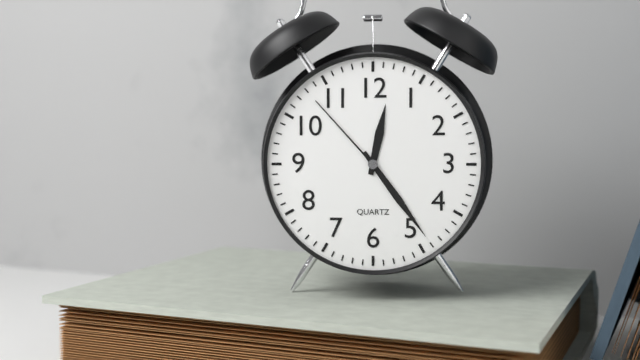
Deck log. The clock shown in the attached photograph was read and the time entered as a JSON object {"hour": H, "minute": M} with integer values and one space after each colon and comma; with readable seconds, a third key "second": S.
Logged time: {"hour": 12, "minute": 24, "second": 53}
